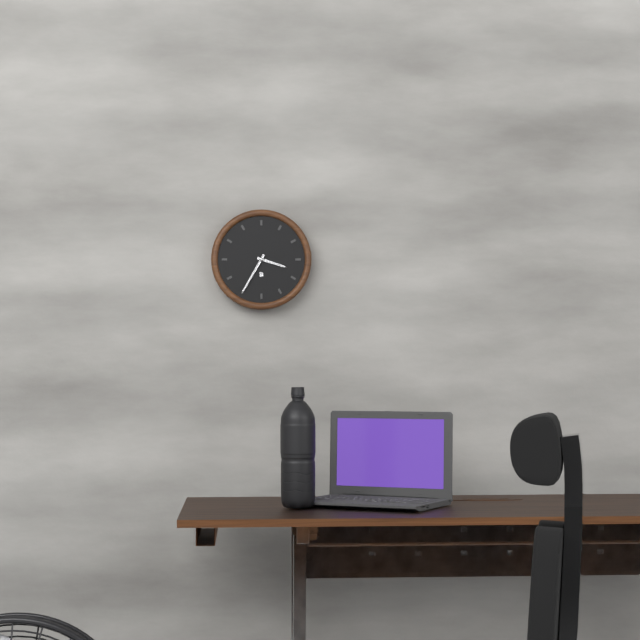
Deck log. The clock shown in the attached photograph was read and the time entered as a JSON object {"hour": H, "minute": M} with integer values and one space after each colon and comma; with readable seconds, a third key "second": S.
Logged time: {"hour": 3, "minute": 35}
